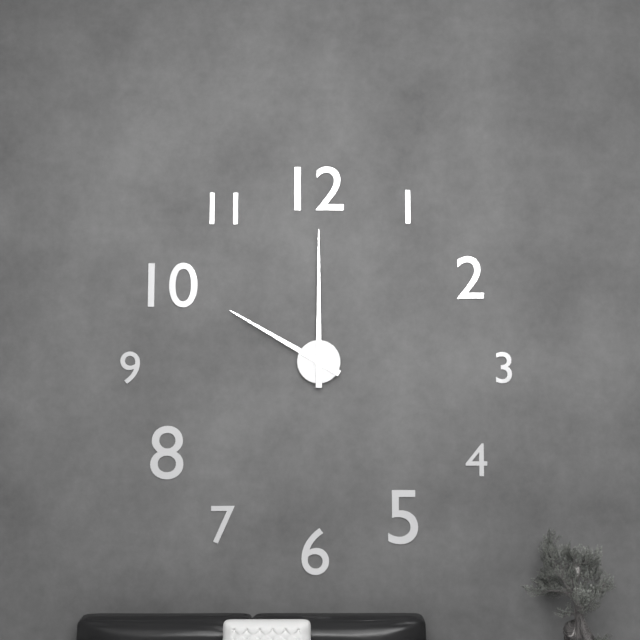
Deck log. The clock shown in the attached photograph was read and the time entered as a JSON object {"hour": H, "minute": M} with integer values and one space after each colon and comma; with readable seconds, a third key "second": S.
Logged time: {"hour": 10, "minute": 0}
